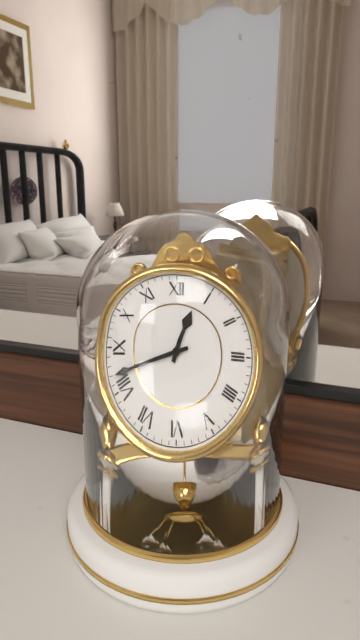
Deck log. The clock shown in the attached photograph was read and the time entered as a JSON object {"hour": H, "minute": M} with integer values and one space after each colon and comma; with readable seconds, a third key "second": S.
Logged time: {"hour": 12, "minute": 42}
